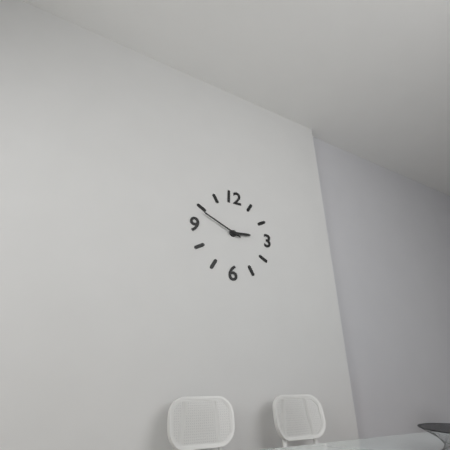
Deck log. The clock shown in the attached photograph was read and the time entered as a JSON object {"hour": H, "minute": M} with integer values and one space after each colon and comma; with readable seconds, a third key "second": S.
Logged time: {"hour": 2, "minute": 49}
